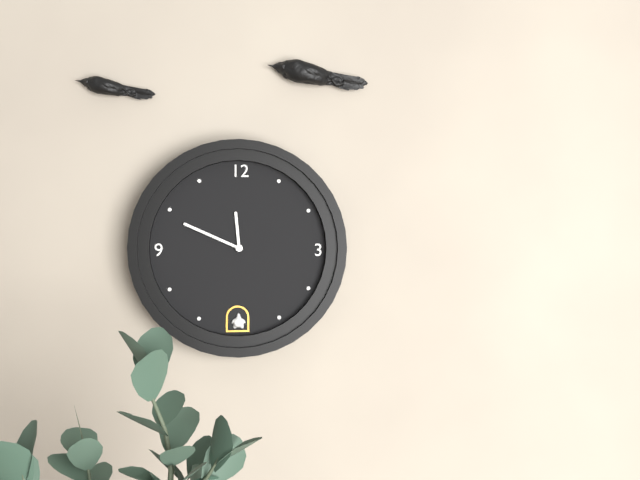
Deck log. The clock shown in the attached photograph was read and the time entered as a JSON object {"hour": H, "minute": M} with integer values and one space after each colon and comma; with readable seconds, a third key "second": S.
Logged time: {"hour": 11, "minute": 49}
